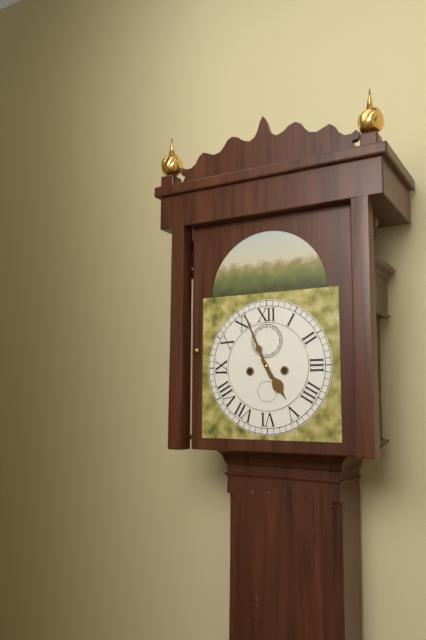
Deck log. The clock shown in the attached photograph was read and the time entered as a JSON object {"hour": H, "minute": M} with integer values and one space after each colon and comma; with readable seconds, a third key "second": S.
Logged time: {"hour": 4, "minute": 56}
